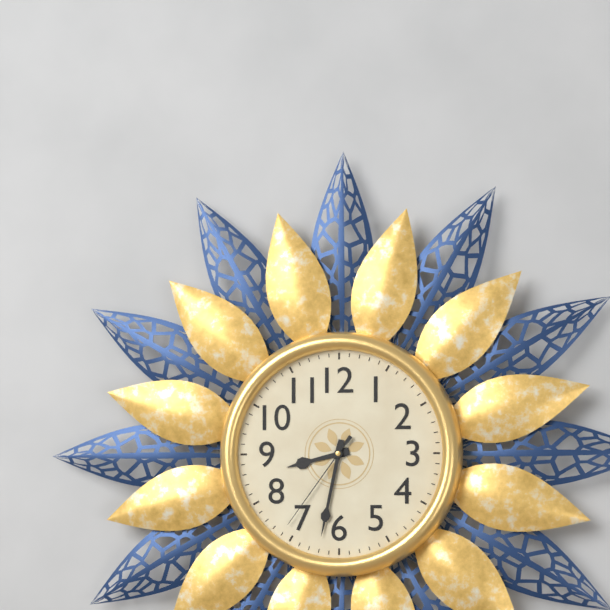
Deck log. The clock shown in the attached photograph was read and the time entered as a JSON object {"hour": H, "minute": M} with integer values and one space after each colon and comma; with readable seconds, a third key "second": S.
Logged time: {"hour": 8, "minute": 32, "second": 36}
